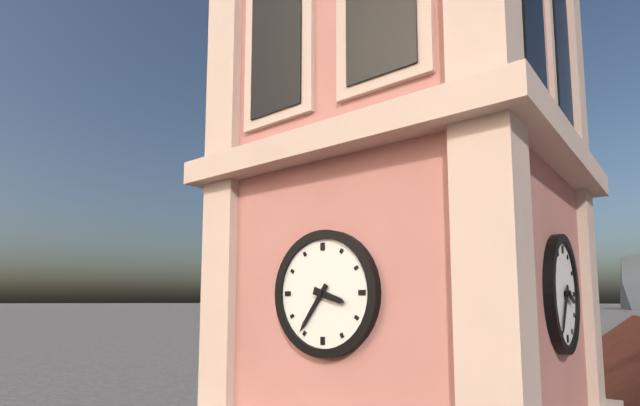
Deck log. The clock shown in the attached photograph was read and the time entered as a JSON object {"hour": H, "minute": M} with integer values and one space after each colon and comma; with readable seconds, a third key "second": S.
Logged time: {"hour": 3, "minute": 36}
